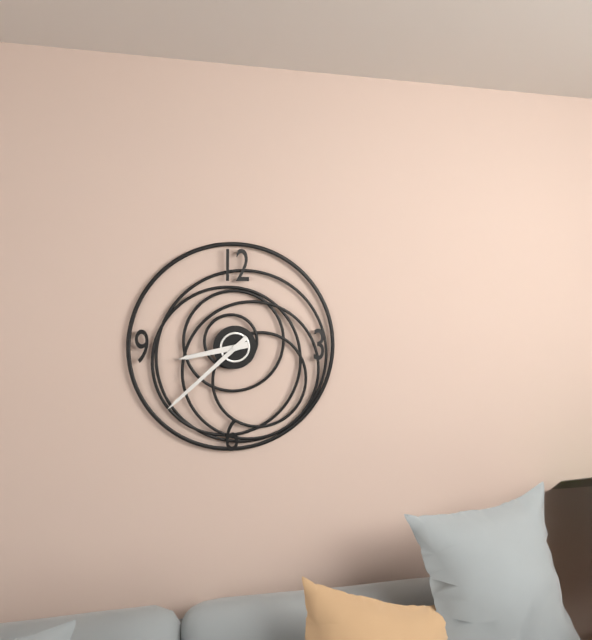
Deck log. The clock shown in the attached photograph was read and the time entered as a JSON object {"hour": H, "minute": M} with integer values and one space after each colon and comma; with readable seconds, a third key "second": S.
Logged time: {"hour": 8, "minute": 38}
